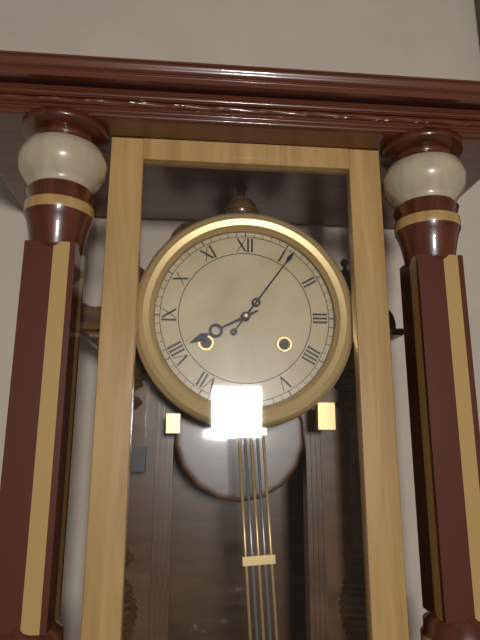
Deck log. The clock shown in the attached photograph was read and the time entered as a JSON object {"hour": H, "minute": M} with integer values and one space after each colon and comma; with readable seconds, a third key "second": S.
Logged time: {"hour": 8, "minute": 6}
